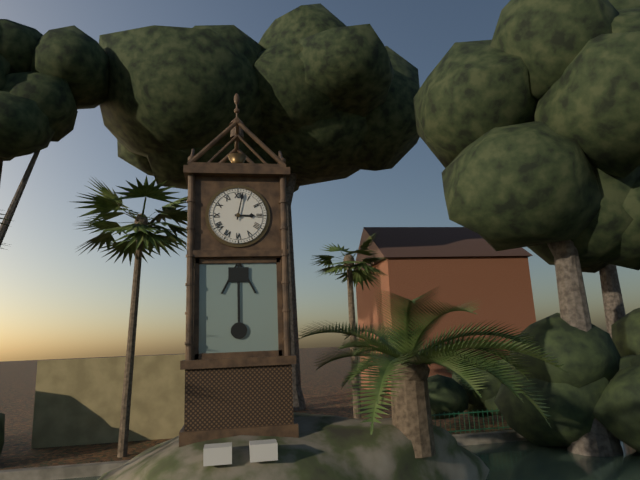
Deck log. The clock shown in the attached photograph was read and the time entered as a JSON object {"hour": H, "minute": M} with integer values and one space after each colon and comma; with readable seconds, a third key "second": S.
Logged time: {"hour": 3, "minute": 2}
